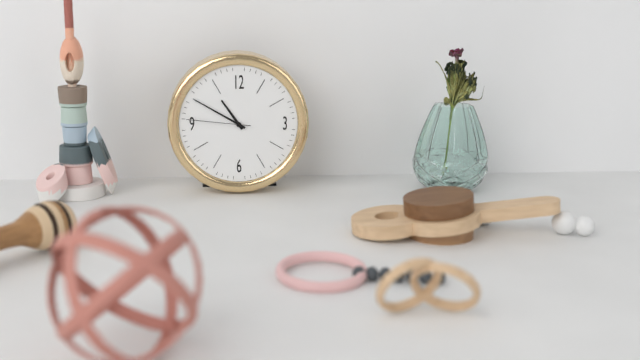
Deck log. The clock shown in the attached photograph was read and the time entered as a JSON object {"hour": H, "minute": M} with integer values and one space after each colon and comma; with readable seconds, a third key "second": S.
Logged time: {"hour": 10, "minute": 50, "second": 46}
